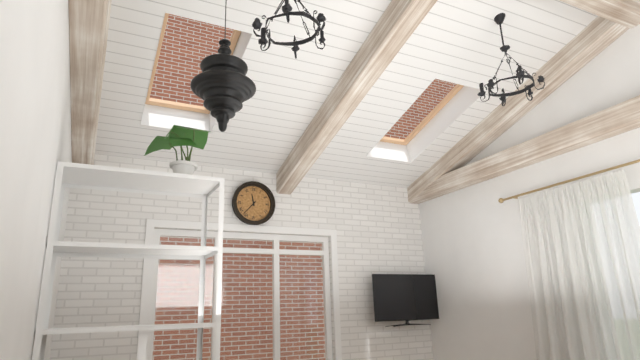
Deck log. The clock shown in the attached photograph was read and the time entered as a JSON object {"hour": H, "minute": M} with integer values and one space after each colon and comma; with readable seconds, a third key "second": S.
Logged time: {"hour": 11, "minute": 37}
